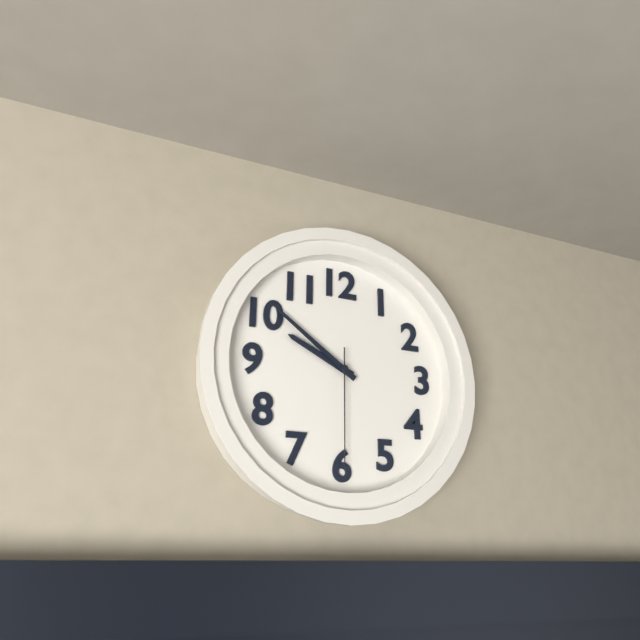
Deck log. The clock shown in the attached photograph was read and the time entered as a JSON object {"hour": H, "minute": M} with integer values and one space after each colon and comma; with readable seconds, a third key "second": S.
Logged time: {"hour": 9, "minute": 51, "second": 30}
